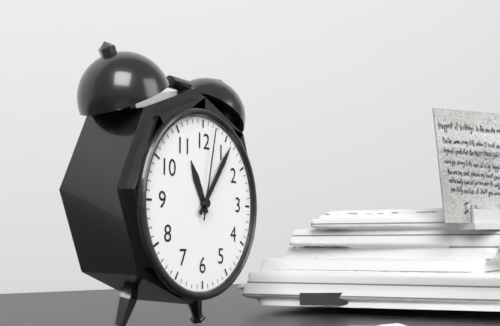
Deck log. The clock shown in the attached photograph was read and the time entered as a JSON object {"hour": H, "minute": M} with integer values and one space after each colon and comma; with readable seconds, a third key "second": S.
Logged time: {"hour": 11, "minute": 6, "second": 2}
